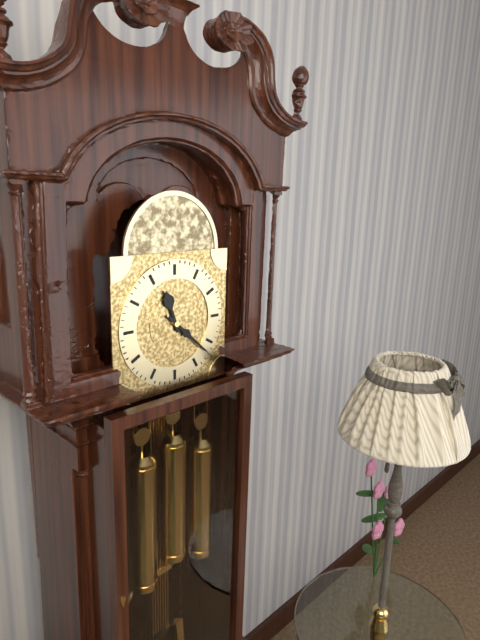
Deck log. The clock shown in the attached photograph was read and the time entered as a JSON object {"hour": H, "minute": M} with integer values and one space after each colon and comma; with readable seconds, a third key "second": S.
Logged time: {"hour": 11, "minute": 22}
